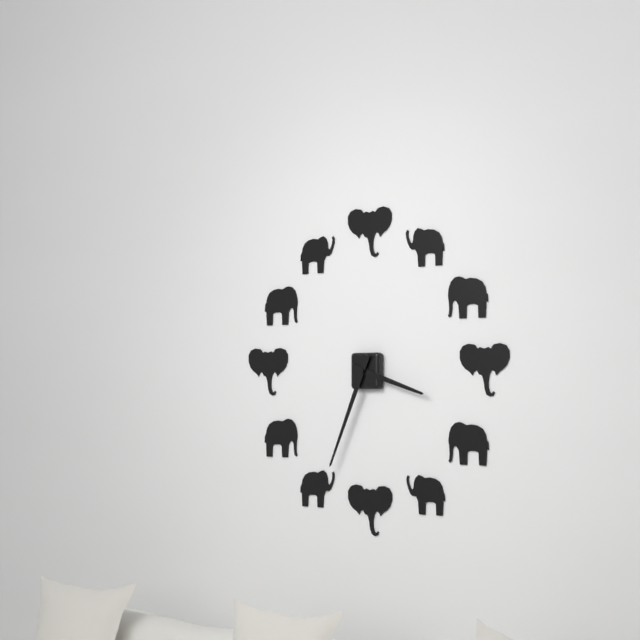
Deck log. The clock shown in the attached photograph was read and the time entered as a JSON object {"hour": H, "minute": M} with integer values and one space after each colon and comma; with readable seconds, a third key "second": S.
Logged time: {"hour": 3, "minute": 34}
